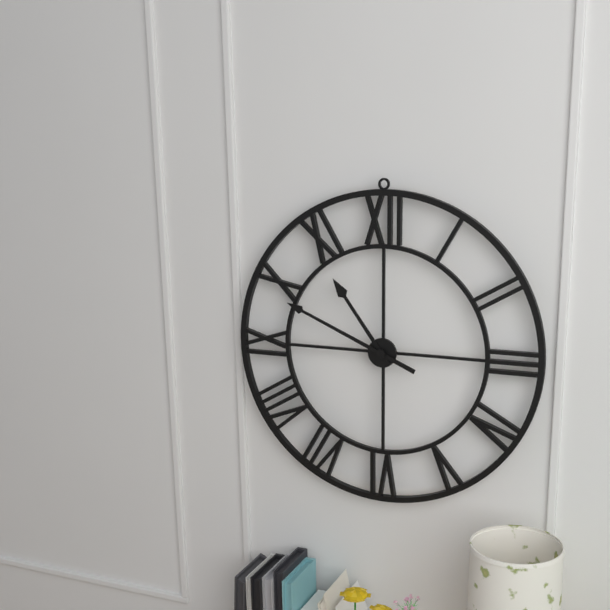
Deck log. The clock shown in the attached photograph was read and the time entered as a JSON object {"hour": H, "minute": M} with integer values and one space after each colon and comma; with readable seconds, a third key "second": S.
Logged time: {"hour": 10, "minute": 49}
